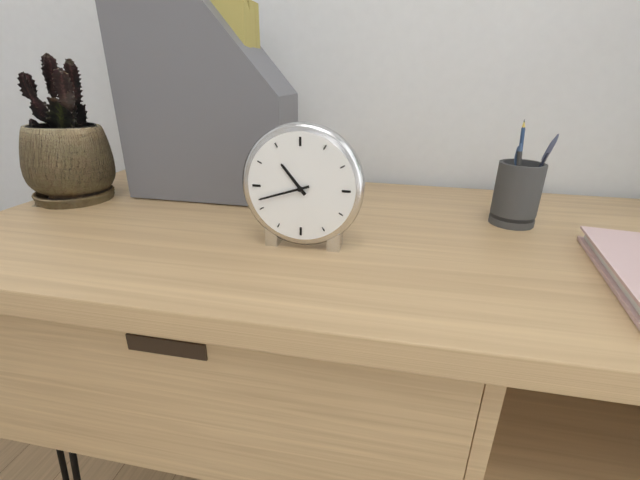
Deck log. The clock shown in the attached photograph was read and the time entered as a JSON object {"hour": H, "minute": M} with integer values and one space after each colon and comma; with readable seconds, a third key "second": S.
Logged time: {"hour": 10, "minute": 42}
